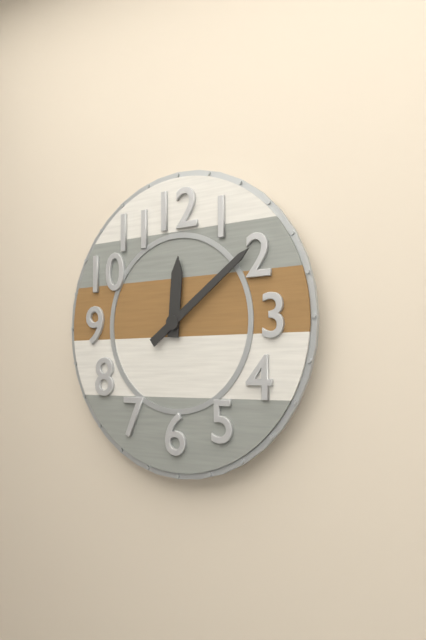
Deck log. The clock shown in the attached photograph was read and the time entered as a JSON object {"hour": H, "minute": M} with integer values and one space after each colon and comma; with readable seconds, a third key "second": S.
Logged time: {"hour": 12, "minute": 9}
